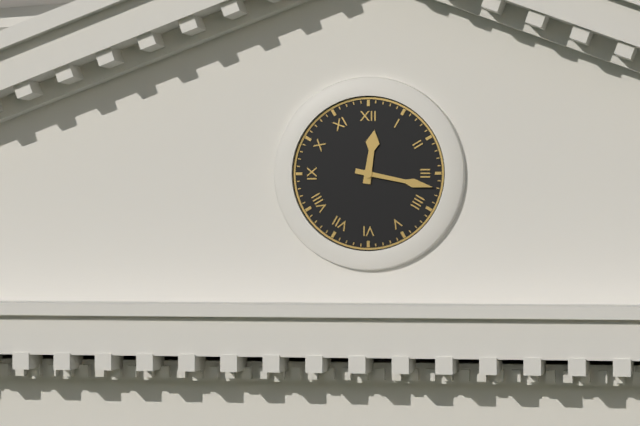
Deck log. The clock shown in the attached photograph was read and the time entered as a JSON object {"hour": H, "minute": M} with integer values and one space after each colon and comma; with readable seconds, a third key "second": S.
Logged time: {"hour": 12, "minute": 17}
